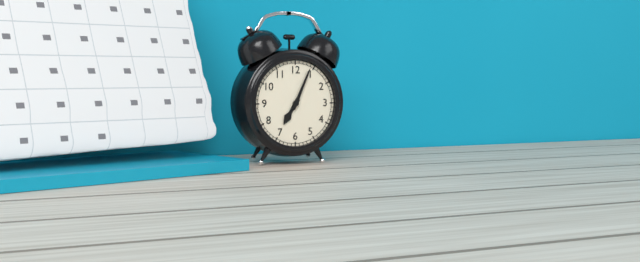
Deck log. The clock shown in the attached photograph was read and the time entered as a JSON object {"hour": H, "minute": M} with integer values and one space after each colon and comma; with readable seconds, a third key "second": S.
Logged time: {"hour": 7, "minute": 4}
